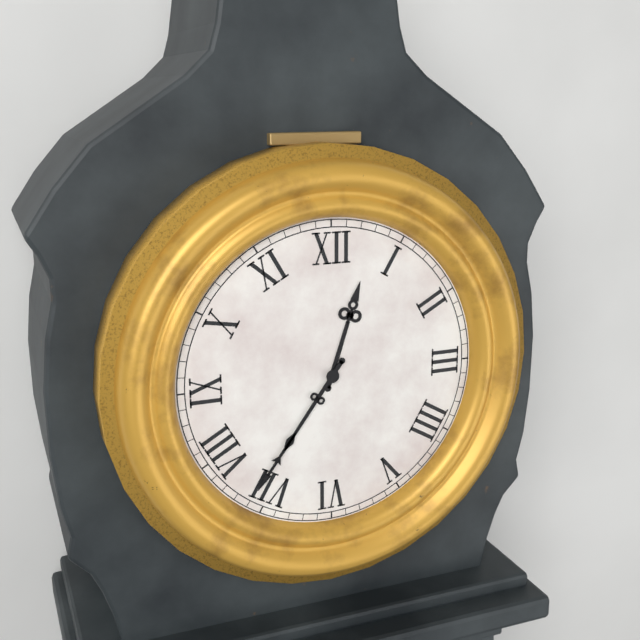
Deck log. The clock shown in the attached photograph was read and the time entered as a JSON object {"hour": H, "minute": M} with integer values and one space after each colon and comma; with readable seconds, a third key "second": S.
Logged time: {"hour": 12, "minute": 36}
